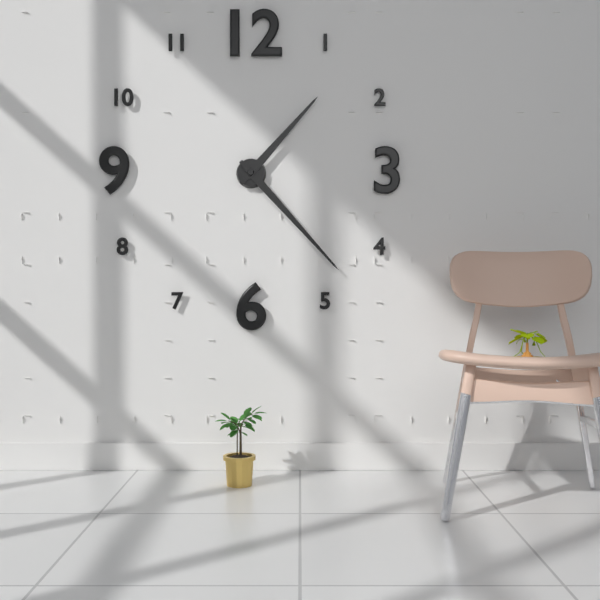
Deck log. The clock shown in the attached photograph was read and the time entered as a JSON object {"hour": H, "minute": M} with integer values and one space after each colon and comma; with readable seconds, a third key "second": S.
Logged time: {"hour": 1, "minute": 23}
